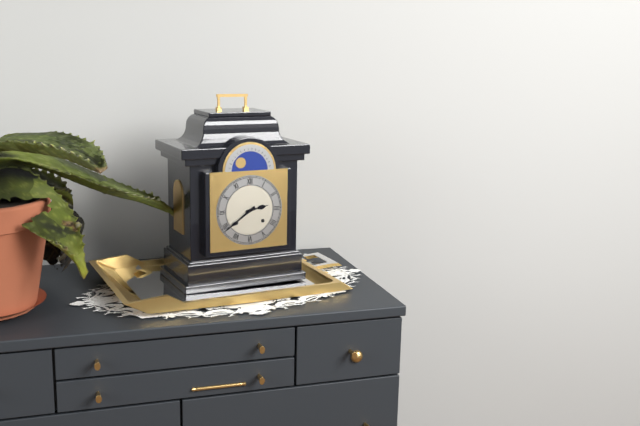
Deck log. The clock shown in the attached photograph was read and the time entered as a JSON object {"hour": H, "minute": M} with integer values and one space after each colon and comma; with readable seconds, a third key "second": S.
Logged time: {"hour": 2, "minute": 39}
